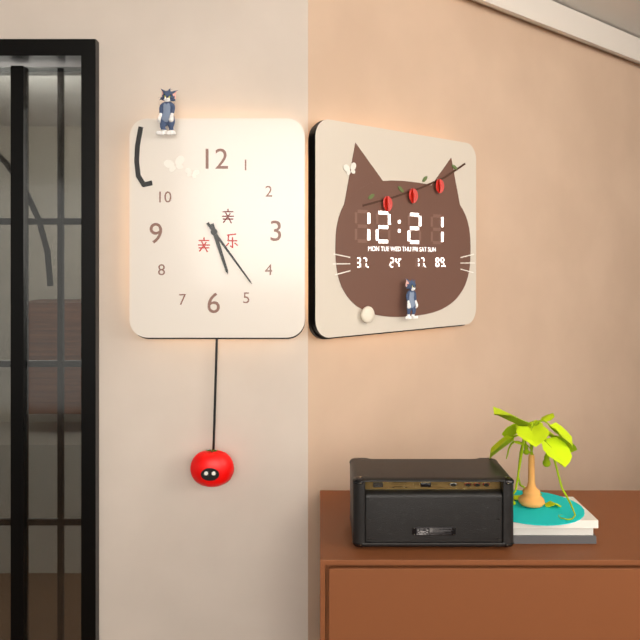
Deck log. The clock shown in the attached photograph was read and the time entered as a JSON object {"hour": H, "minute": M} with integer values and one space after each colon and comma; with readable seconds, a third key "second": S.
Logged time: {"hour": 5, "minute": 24}
